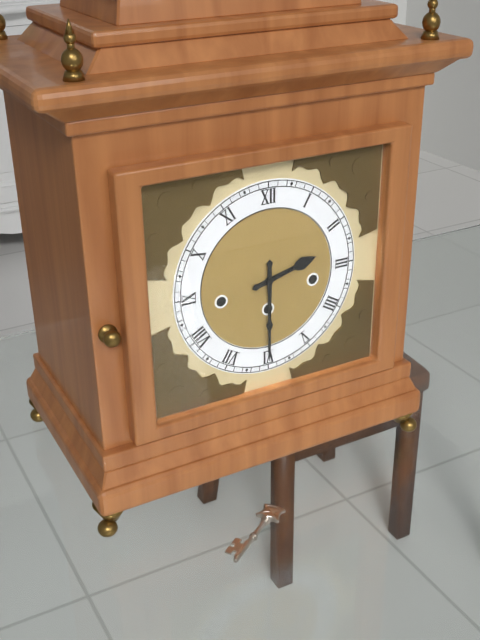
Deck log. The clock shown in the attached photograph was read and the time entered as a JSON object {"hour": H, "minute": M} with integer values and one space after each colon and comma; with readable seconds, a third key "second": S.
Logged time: {"hour": 2, "minute": 30}
